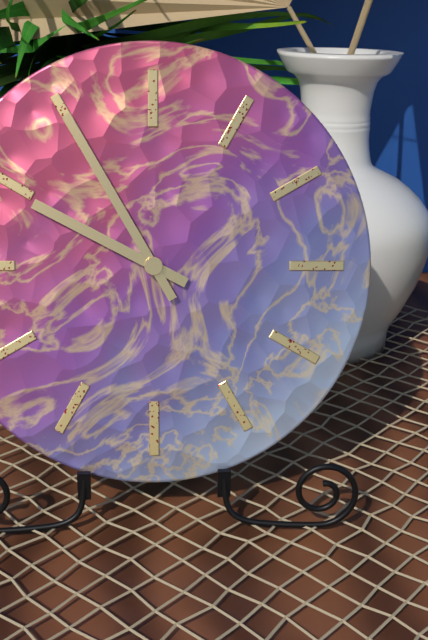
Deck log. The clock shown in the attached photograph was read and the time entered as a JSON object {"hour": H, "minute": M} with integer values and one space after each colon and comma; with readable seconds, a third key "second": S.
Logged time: {"hour": 9, "minute": 55}
